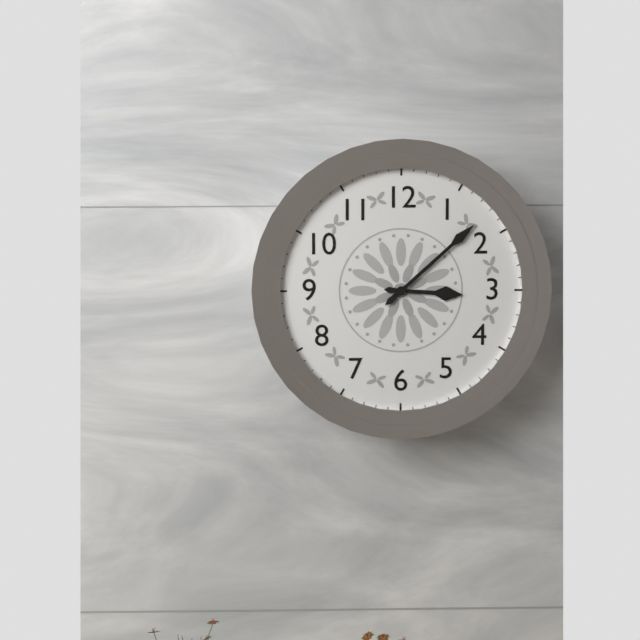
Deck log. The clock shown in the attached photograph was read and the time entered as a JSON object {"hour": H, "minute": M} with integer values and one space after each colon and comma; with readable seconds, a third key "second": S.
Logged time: {"hour": 3, "minute": 8}
